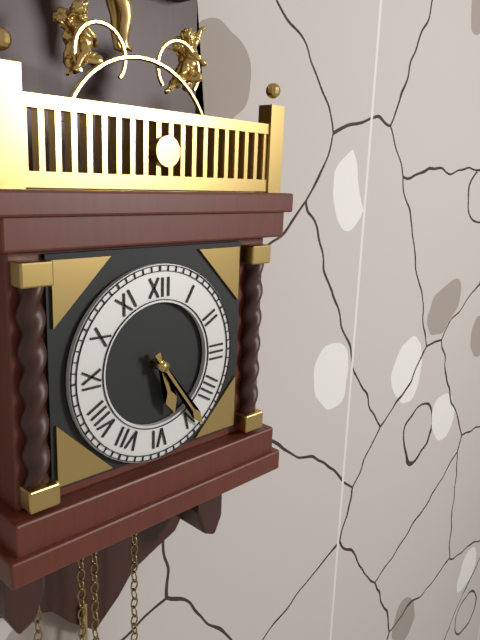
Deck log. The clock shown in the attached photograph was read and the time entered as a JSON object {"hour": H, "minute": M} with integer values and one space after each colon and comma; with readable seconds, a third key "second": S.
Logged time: {"hour": 5, "minute": 24}
